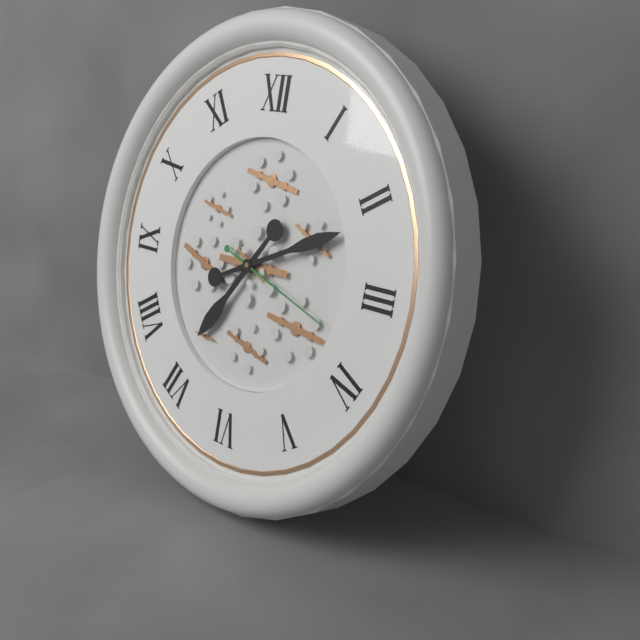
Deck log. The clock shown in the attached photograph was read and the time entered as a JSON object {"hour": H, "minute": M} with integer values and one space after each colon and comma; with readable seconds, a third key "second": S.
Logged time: {"hour": 7, "minute": 11, "second": 18}
